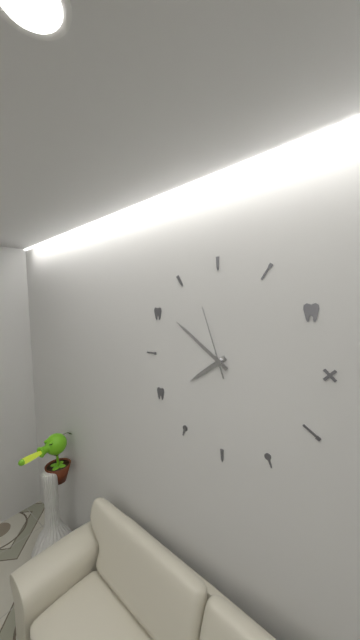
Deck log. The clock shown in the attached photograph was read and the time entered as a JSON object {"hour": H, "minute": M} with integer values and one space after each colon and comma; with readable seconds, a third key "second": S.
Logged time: {"hour": 7, "minute": 51, "second": 57}
